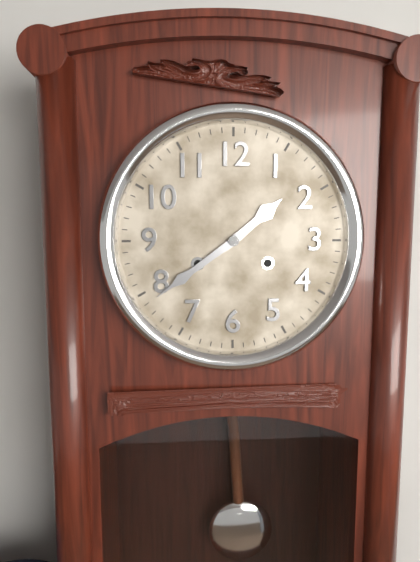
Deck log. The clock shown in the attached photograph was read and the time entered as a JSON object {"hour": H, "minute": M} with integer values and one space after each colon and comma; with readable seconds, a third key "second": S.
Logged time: {"hour": 1, "minute": 39}
